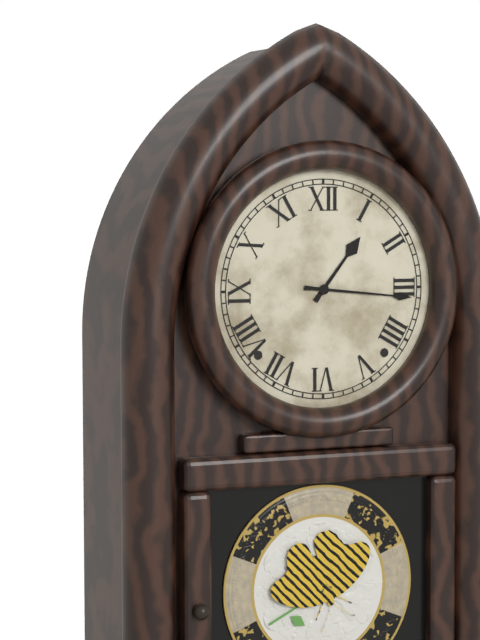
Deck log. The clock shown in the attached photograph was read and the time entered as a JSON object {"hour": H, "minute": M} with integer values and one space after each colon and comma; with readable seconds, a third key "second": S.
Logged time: {"hour": 1, "minute": 16}
